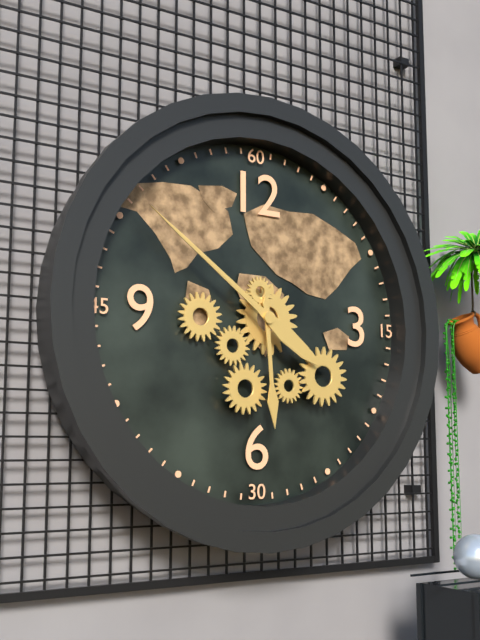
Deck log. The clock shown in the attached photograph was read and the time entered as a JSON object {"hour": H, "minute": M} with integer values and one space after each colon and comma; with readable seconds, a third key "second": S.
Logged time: {"hour": 5, "minute": 51}
